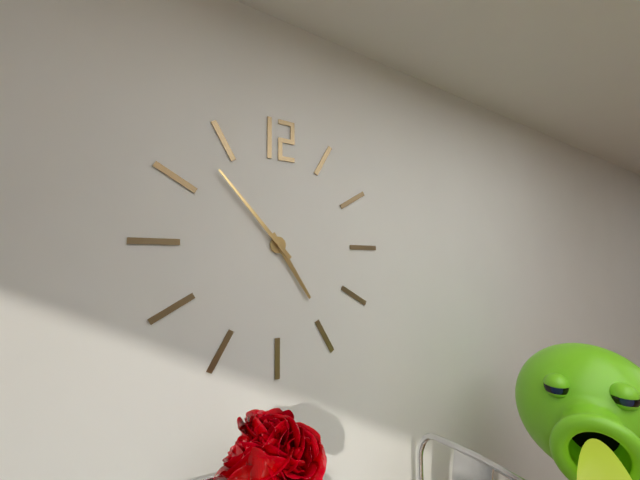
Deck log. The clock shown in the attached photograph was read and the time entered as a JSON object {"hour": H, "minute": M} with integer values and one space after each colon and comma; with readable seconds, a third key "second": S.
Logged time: {"hour": 4, "minute": 53}
